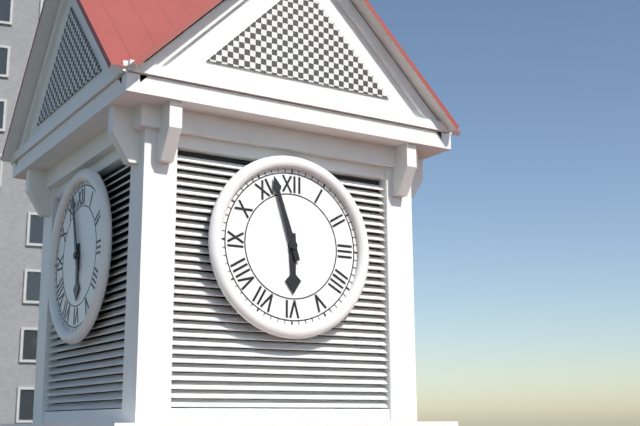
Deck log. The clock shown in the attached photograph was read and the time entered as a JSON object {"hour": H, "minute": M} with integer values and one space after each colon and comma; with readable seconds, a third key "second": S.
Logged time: {"hour": 5, "minute": 57}
